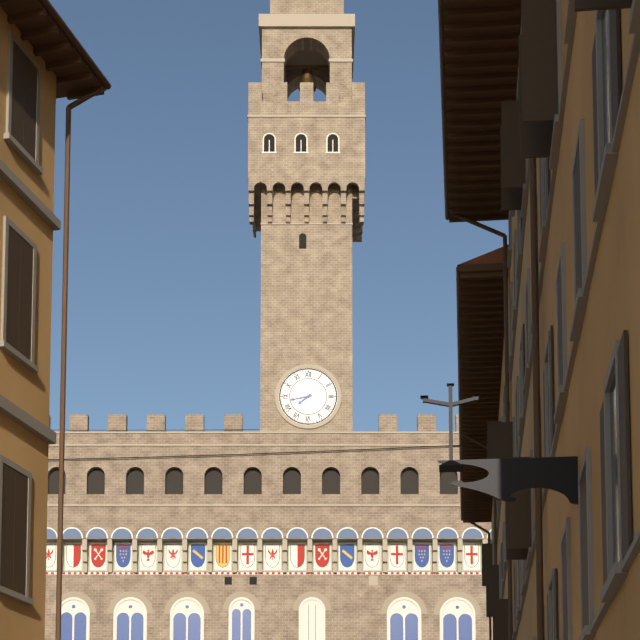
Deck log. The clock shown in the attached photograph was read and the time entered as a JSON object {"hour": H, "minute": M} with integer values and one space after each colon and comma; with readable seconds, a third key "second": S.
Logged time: {"hour": 7, "minute": 43}
